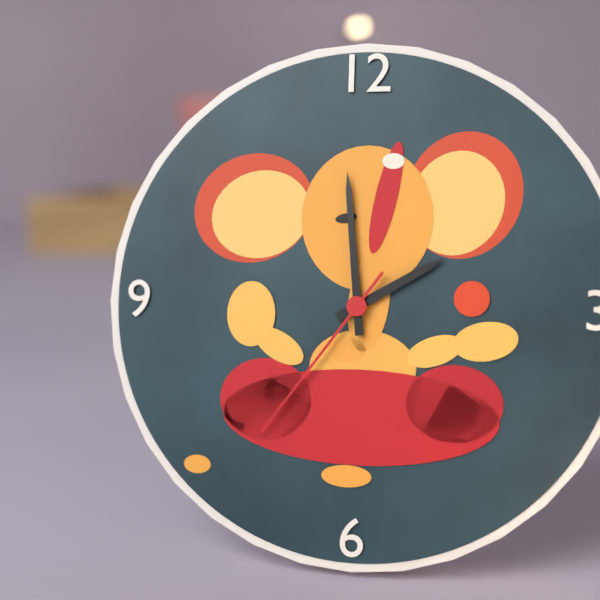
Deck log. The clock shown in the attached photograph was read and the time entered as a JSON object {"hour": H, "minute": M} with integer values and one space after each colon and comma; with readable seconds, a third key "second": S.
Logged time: {"hour": 1, "minute": 59, "second": 36}
